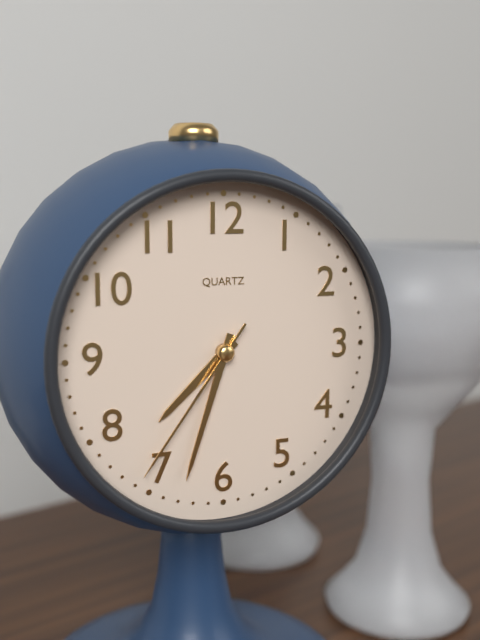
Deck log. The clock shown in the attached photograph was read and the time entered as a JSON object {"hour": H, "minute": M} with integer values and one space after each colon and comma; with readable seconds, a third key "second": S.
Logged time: {"hour": 7, "minute": 33, "second": 36}
